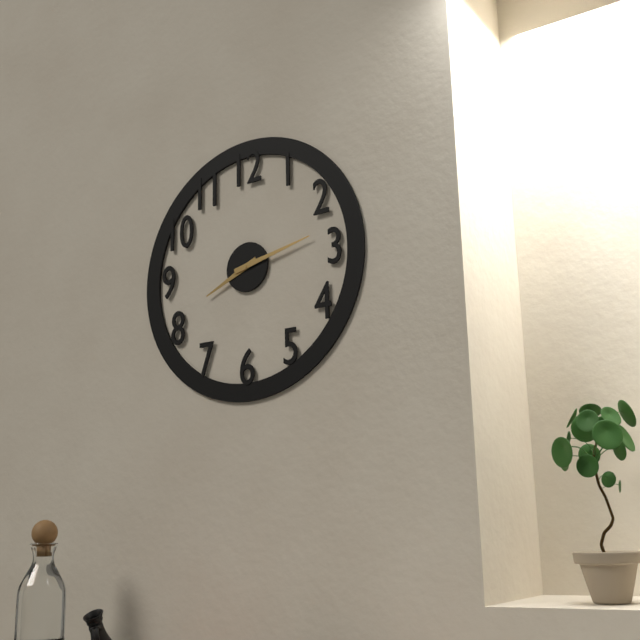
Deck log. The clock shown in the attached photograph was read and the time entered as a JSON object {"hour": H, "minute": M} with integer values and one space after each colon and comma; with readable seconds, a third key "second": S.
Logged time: {"hour": 8, "minute": 13}
